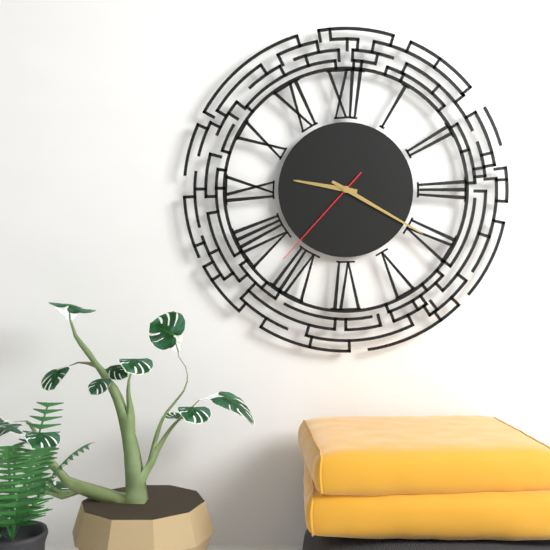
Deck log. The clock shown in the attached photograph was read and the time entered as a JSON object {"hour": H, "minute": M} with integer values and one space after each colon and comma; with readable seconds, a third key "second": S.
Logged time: {"hour": 9, "minute": 20, "second": 37}
